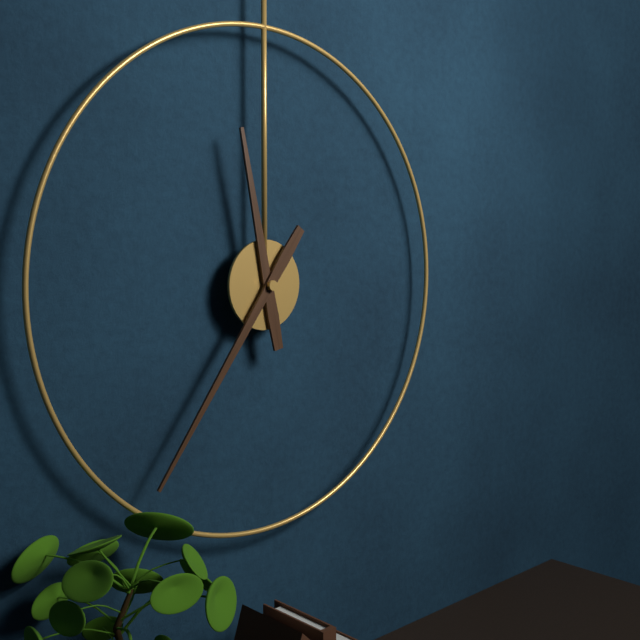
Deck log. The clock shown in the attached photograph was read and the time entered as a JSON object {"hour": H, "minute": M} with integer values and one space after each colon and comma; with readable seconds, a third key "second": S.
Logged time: {"hour": 11, "minute": 36}
